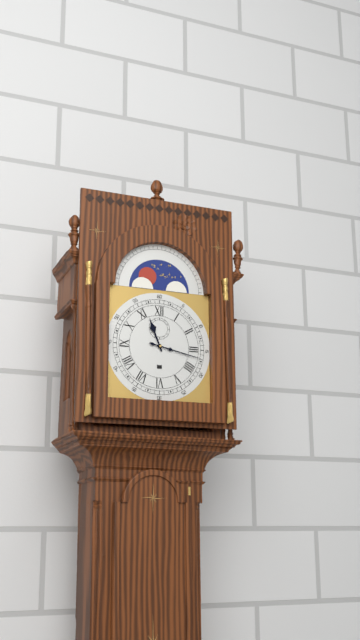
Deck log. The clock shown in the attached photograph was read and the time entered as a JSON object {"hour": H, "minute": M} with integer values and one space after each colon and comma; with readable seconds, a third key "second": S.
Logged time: {"hour": 11, "minute": 17}
